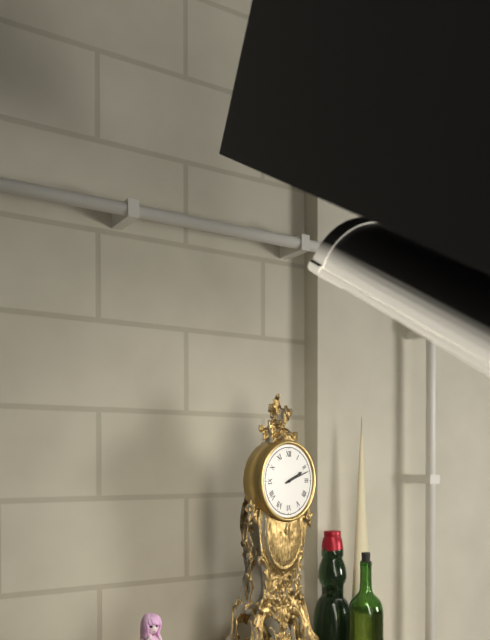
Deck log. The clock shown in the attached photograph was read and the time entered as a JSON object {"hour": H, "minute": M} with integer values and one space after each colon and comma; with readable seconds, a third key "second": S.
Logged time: {"hour": 2, "minute": 12}
